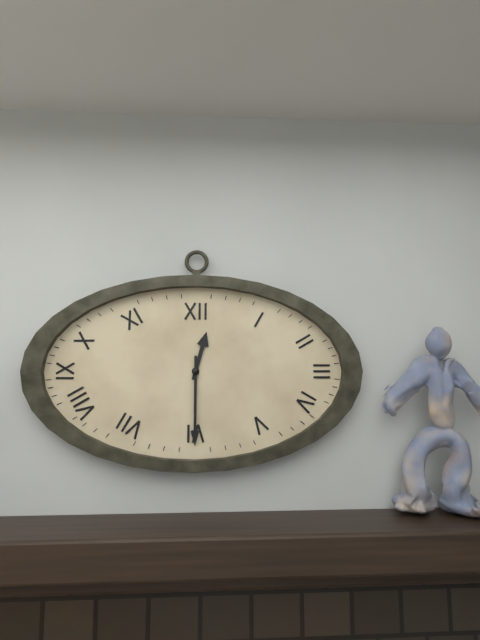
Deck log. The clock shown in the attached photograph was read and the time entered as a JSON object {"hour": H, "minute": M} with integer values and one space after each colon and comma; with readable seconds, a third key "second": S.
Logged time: {"hour": 12, "minute": 30}
